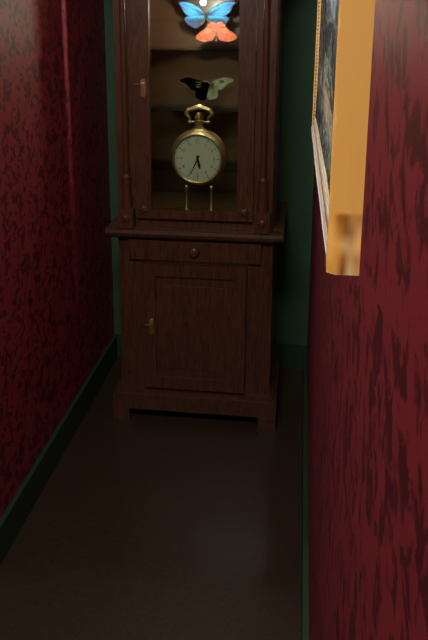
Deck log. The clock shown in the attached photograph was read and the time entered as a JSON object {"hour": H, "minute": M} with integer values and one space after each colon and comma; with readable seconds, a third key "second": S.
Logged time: {"hour": 5, "minute": 34}
